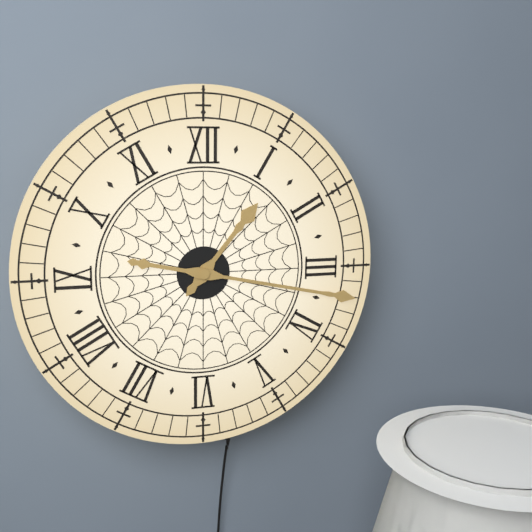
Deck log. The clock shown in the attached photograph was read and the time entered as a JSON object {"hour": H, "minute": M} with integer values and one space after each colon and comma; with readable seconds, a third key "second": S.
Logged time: {"hour": 1, "minute": 17}
